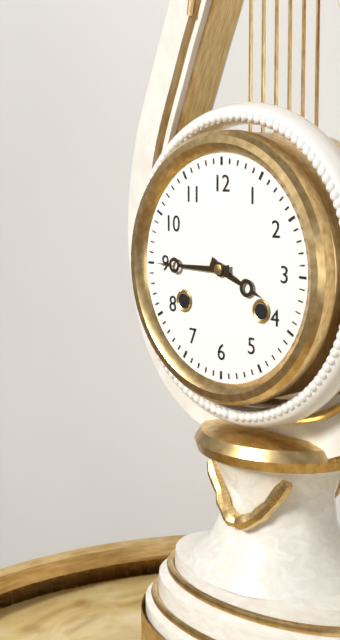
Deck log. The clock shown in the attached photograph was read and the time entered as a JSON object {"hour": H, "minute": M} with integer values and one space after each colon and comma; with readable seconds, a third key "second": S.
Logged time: {"hour": 3, "minute": 45}
